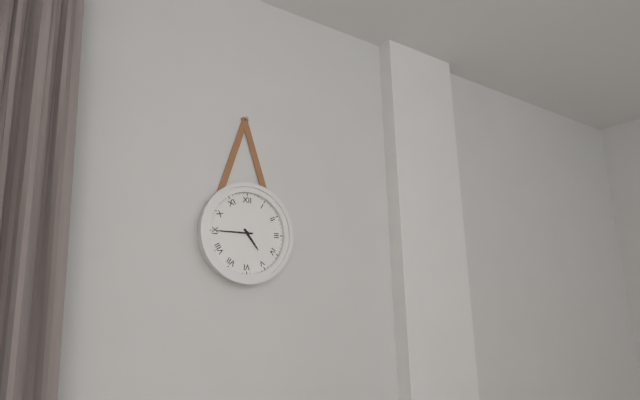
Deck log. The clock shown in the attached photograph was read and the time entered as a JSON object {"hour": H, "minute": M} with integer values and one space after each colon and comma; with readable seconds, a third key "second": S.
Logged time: {"hour": 4, "minute": 45}
